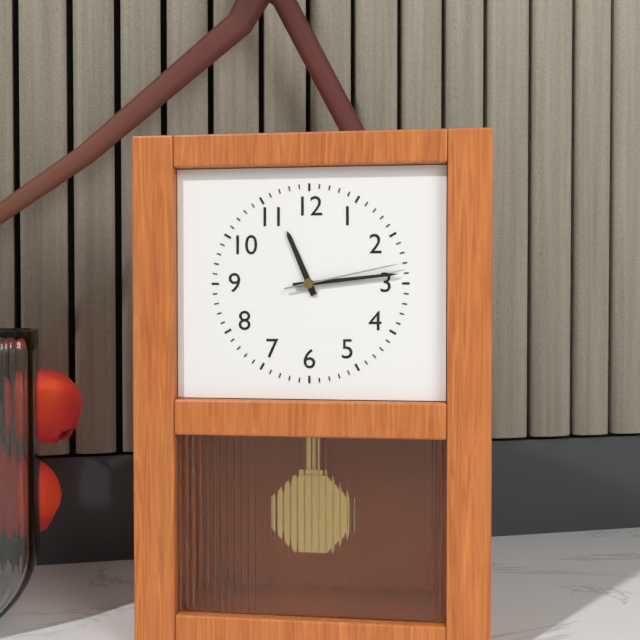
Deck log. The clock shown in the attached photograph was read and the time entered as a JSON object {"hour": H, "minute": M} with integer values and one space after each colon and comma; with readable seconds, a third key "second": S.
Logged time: {"hour": 11, "minute": 14, "second": 13}
